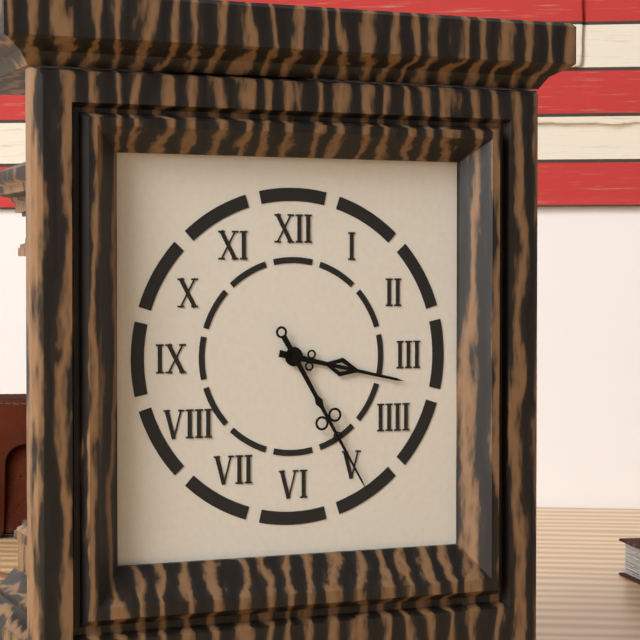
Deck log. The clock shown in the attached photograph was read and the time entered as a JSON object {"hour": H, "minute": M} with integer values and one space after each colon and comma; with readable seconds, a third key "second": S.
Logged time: {"hour": 3, "minute": 25}
